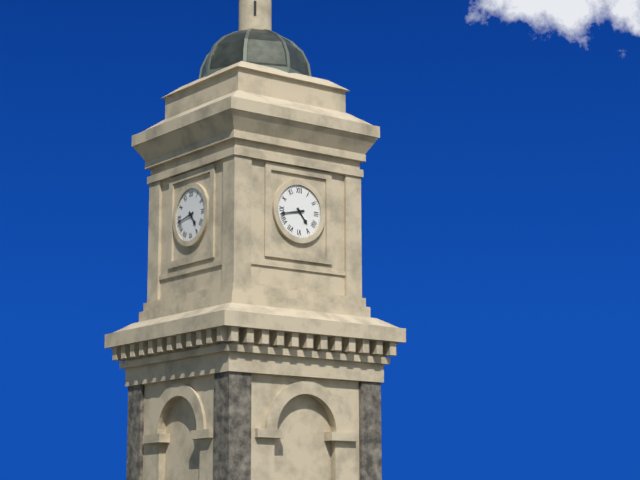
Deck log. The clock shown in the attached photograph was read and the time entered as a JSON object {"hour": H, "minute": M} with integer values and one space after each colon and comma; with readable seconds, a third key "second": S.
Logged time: {"hour": 4, "minute": 43}
